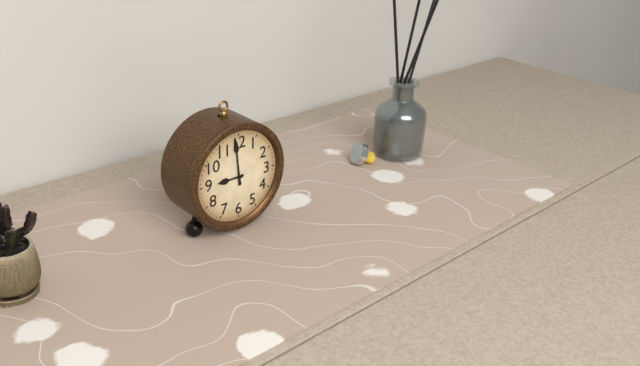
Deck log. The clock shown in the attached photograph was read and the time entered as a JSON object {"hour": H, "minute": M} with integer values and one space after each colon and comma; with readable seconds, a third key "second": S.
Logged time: {"hour": 8, "minute": 59}
